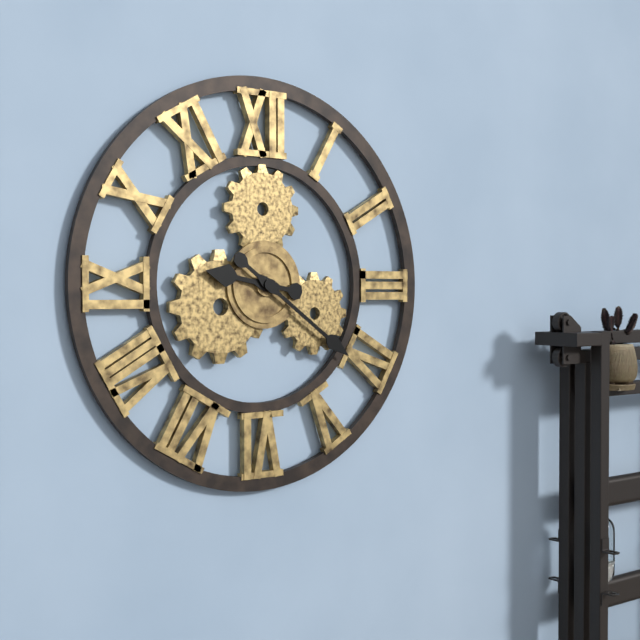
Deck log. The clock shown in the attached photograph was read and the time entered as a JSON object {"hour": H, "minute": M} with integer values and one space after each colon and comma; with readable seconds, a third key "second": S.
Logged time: {"hour": 9, "minute": 21}
